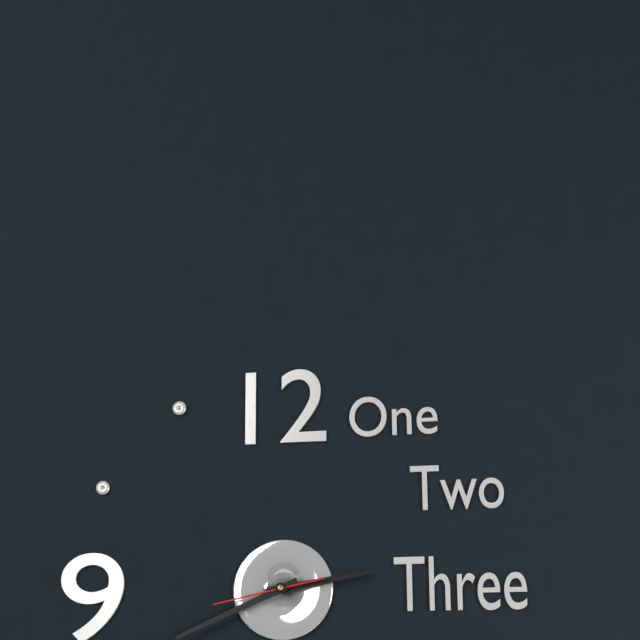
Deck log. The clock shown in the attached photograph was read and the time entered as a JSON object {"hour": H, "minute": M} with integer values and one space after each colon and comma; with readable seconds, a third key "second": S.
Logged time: {"hour": 2, "minute": 41, "second": 43}
